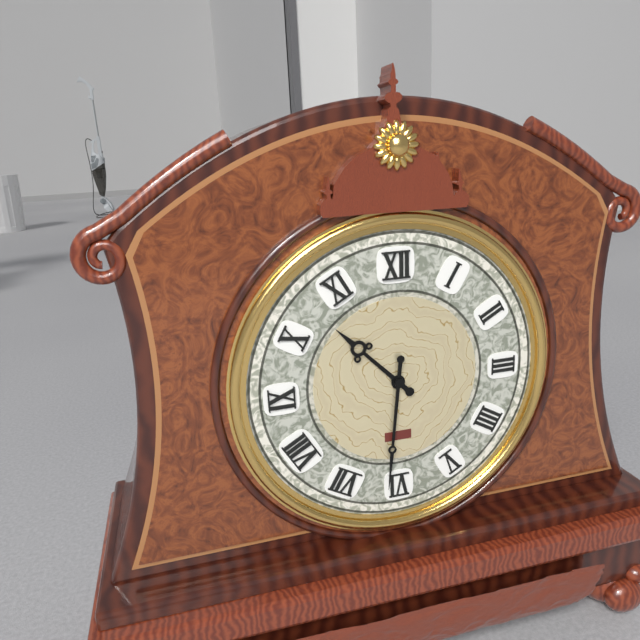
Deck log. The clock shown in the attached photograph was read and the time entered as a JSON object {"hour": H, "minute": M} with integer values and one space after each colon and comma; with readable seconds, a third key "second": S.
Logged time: {"hour": 10, "minute": 31}
